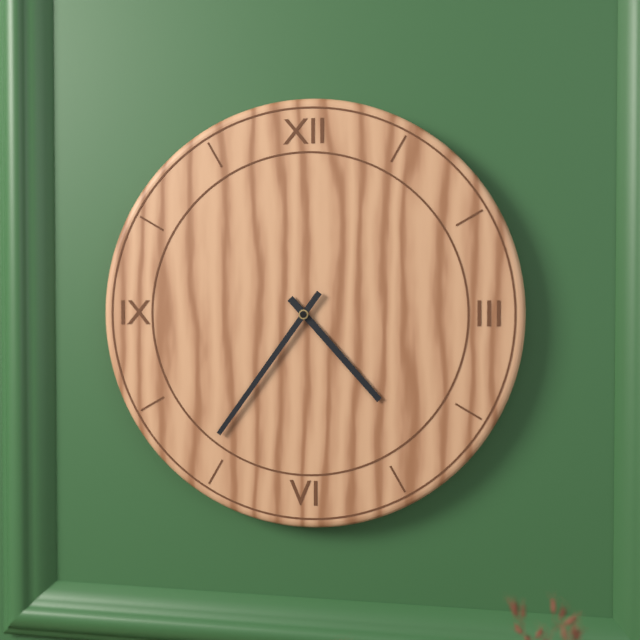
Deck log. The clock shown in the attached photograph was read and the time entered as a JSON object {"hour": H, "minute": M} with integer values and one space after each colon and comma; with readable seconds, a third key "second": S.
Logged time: {"hour": 4, "minute": 36}
